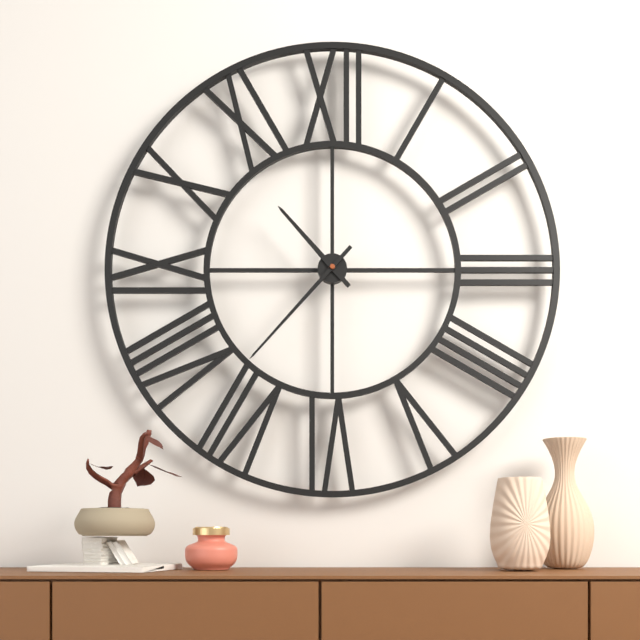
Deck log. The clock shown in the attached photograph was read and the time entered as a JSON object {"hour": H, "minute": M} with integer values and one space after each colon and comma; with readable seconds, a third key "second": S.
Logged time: {"hour": 10, "minute": 37}
